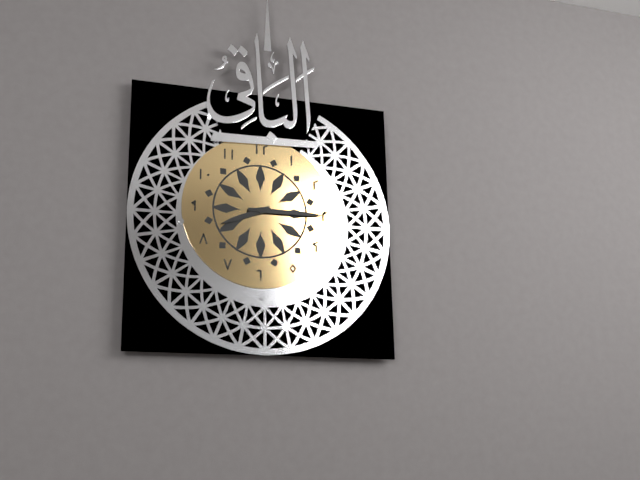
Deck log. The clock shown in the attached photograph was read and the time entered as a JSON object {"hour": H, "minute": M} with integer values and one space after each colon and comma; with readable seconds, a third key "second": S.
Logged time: {"hour": 8, "minute": 15}
